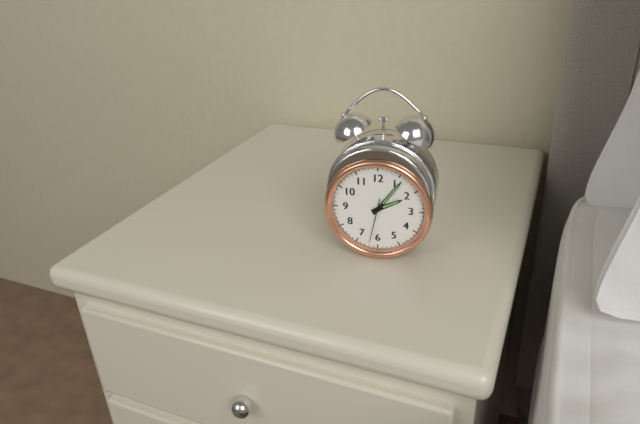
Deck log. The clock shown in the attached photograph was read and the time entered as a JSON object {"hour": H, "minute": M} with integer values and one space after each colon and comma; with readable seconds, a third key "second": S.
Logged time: {"hour": 2, "minute": 6}
